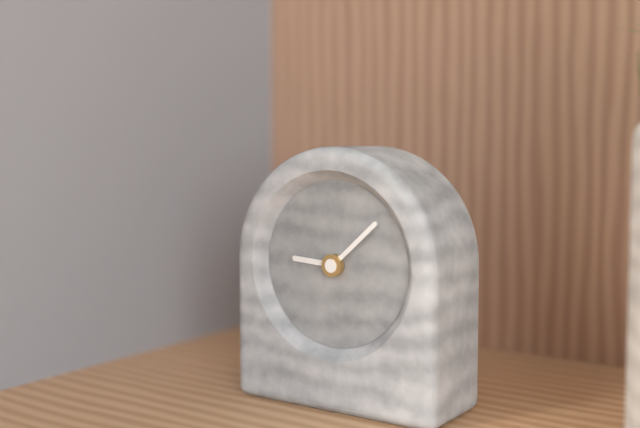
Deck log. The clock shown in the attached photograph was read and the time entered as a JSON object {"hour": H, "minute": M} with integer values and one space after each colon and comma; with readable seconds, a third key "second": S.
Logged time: {"hour": 9, "minute": 8}
